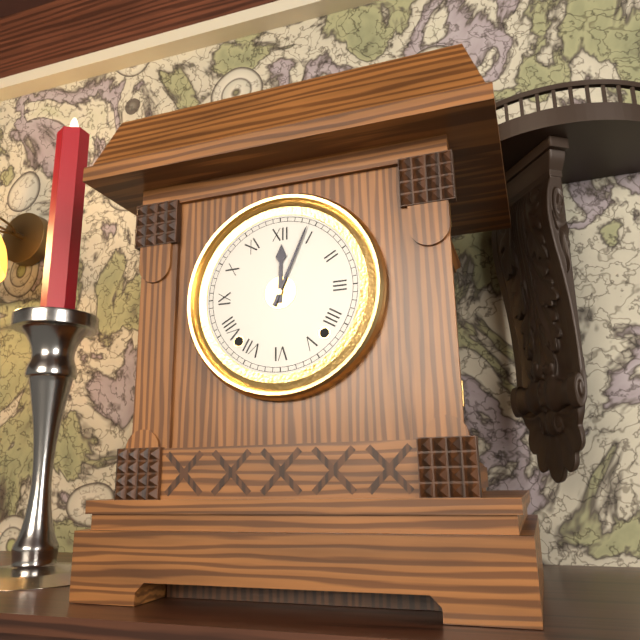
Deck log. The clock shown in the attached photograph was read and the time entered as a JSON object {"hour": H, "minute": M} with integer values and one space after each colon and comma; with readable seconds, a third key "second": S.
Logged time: {"hour": 12, "minute": 4}
